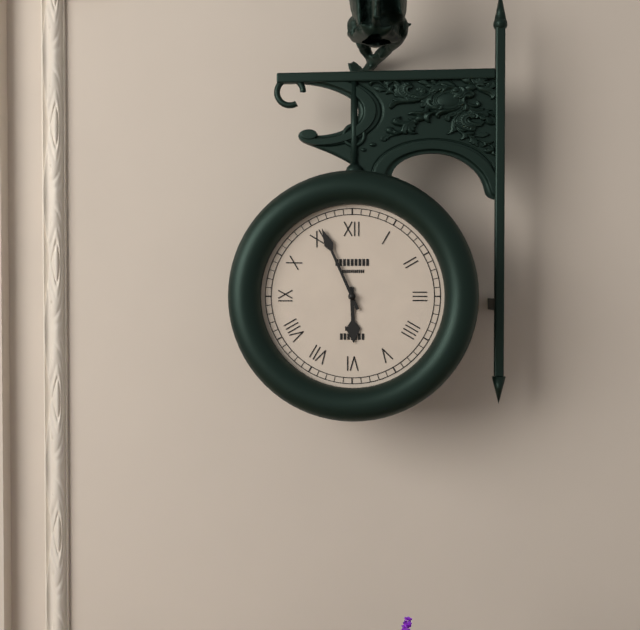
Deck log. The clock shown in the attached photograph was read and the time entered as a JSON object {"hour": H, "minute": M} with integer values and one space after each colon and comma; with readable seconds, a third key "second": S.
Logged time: {"hour": 5, "minute": 56}
